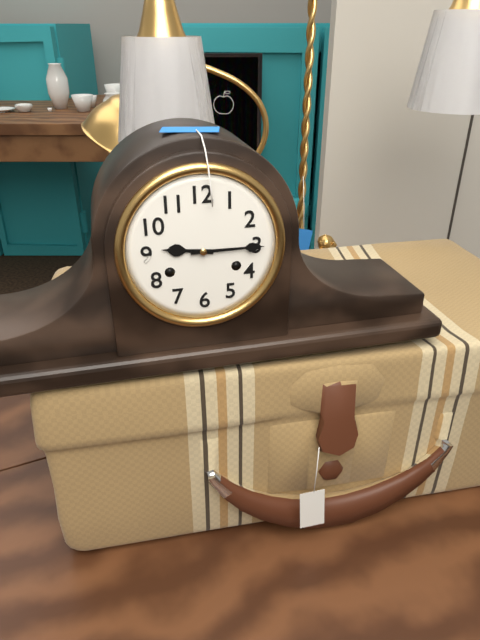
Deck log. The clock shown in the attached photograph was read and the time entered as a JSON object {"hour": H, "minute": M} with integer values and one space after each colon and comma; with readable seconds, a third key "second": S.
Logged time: {"hour": 9, "minute": 15}
